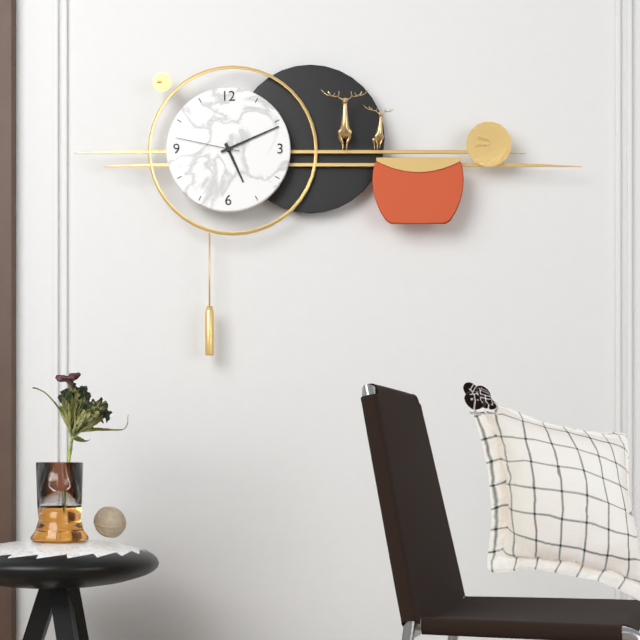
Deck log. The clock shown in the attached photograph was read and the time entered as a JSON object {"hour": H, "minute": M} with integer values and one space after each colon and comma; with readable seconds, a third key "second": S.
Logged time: {"hour": 5, "minute": 11, "second": 47}
